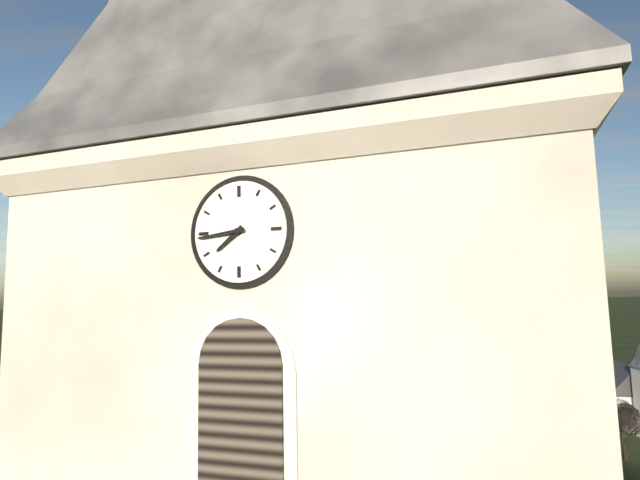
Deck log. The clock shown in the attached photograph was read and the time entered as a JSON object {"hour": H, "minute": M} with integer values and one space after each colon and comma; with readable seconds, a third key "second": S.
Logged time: {"hour": 7, "minute": 44}
